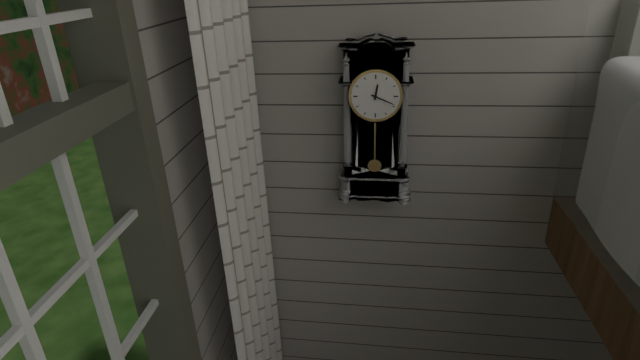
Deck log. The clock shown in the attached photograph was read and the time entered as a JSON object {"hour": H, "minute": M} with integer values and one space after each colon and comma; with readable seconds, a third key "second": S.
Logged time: {"hour": 12, "minute": 19}
